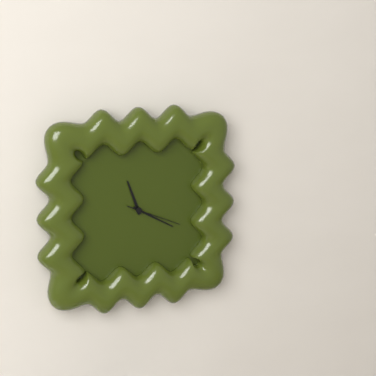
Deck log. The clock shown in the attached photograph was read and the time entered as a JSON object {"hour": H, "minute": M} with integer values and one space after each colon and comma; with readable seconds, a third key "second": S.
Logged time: {"hour": 11, "minute": 20, "second": 19}
